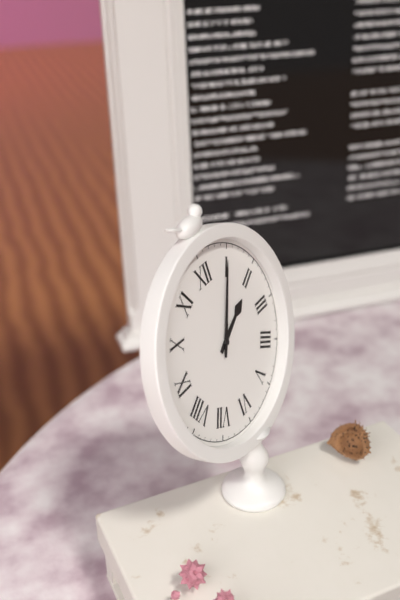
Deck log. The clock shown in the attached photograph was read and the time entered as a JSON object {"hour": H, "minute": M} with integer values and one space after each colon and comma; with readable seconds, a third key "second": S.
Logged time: {"hour": 2, "minute": 5}
